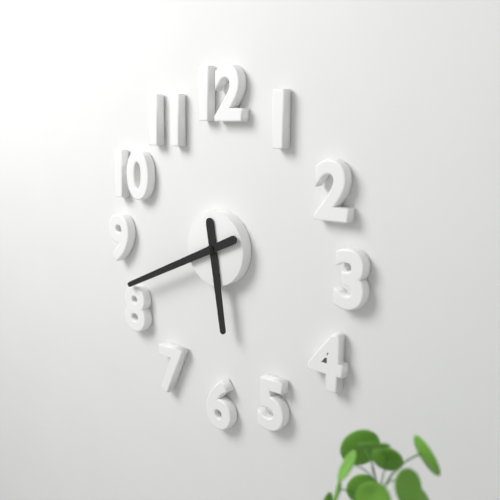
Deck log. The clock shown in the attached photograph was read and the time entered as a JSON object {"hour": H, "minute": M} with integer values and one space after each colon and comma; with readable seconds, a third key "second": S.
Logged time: {"hour": 5, "minute": 41}
